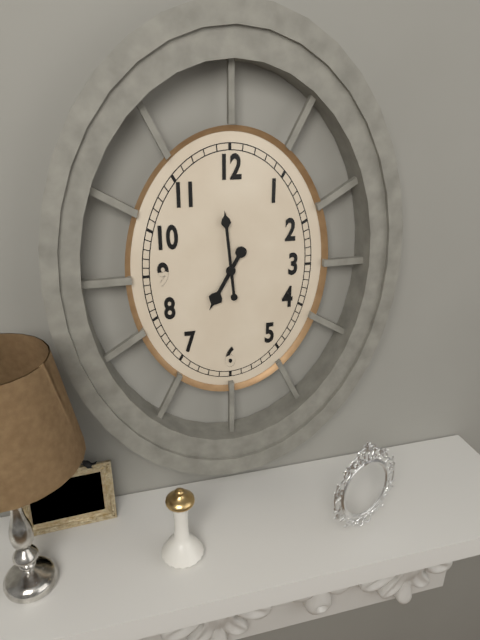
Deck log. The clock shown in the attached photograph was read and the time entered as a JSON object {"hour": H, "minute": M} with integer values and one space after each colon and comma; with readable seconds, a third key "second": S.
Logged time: {"hour": 6, "minute": 59}
